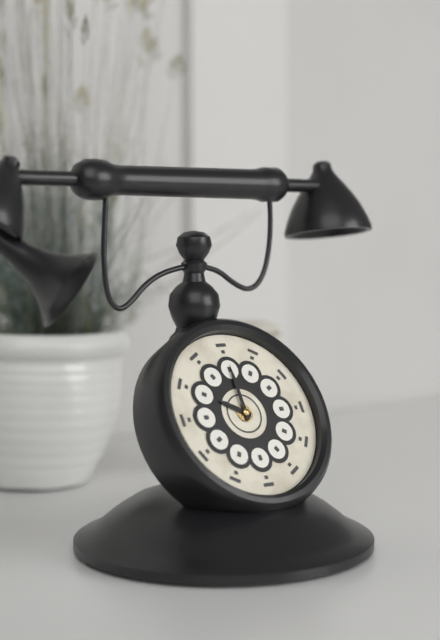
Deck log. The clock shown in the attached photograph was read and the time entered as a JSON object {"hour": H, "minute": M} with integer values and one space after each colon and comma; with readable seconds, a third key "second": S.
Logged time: {"hour": 10, "minute": 0}
